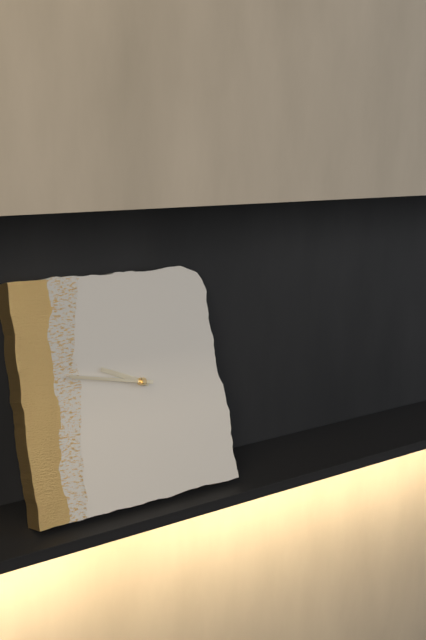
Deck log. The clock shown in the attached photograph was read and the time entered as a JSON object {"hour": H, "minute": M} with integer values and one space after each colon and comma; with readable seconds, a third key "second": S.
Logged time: {"hour": 9, "minute": 47}
